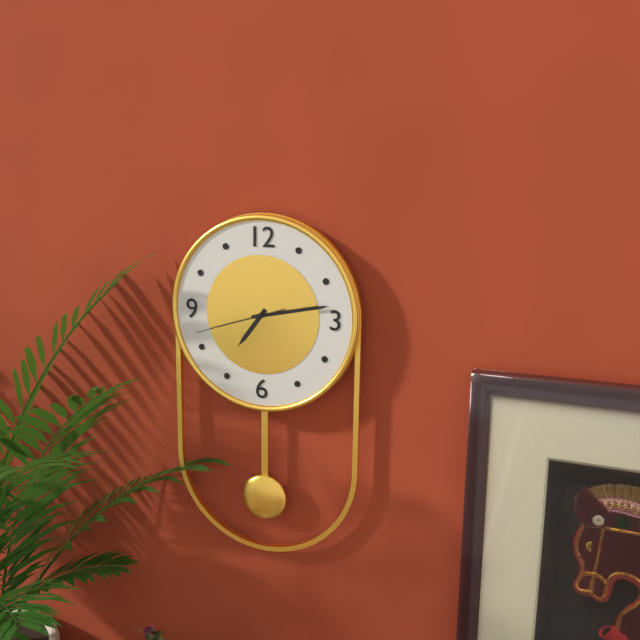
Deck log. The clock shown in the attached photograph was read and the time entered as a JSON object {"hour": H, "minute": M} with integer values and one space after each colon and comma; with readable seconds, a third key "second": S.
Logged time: {"hour": 7, "minute": 13, "second": 42}
